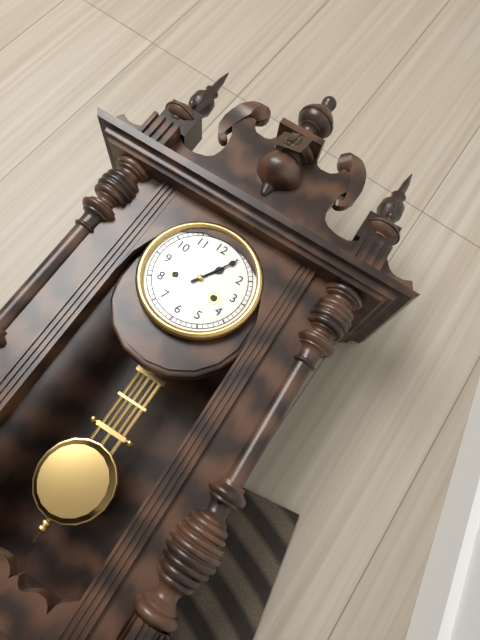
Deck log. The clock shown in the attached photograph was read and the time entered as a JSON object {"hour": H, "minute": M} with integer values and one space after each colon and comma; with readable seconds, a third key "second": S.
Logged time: {"hour": 1, "minute": 5}
